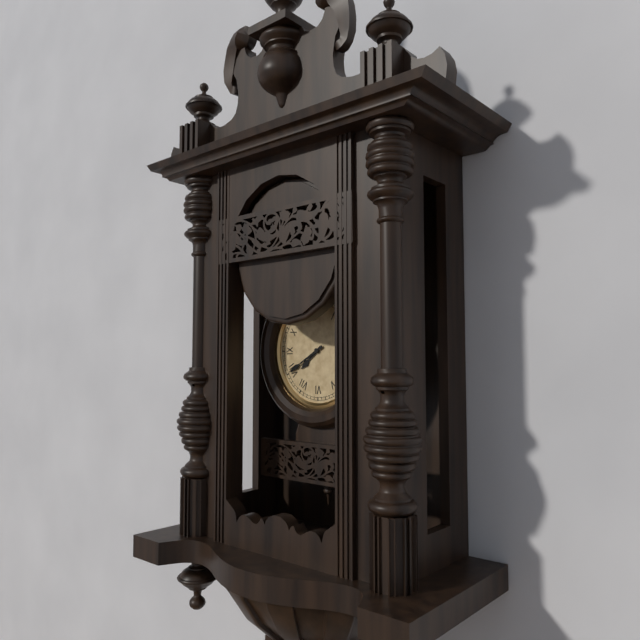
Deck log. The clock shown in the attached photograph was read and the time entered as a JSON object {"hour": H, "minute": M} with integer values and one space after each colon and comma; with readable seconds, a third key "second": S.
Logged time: {"hour": 7, "minute": 40}
